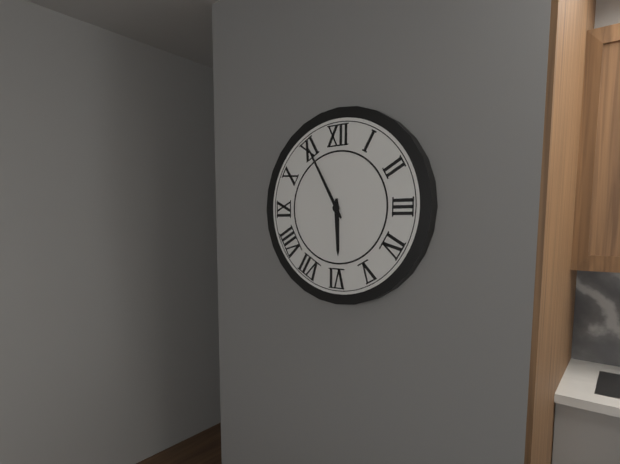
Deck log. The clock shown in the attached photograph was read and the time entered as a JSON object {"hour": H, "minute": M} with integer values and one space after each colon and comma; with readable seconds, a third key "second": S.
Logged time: {"hour": 5, "minute": 55}
